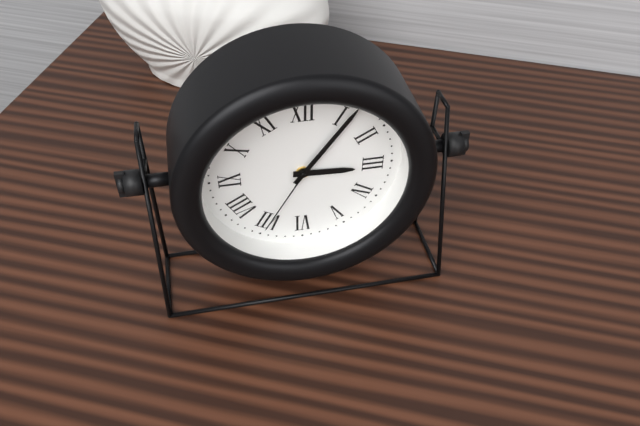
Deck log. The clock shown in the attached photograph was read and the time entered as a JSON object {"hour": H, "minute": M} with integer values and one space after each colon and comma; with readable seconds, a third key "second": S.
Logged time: {"hour": 3, "minute": 6, "second": 35}
